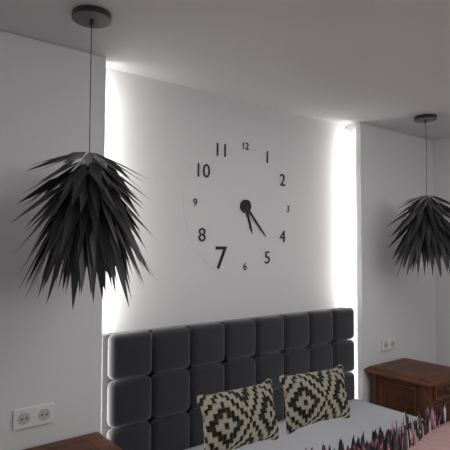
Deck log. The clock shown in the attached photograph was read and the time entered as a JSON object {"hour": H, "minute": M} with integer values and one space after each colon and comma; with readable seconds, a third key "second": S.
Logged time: {"hour": 5, "minute": 23}
